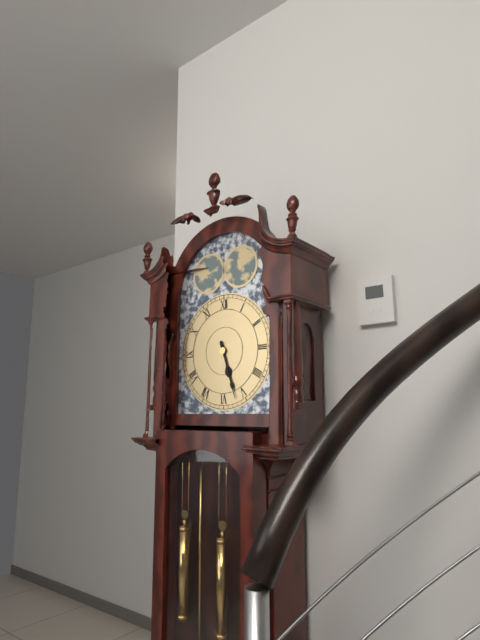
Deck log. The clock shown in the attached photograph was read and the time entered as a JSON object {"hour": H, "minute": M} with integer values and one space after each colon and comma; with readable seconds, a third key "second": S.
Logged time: {"hour": 5, "minute": 27}
